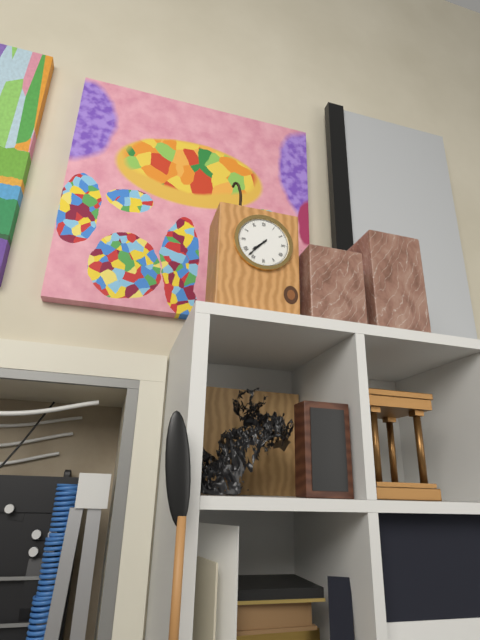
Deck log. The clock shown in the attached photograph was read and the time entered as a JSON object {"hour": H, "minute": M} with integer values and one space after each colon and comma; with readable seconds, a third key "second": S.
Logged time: {"hour": 7, "minute": 37}
